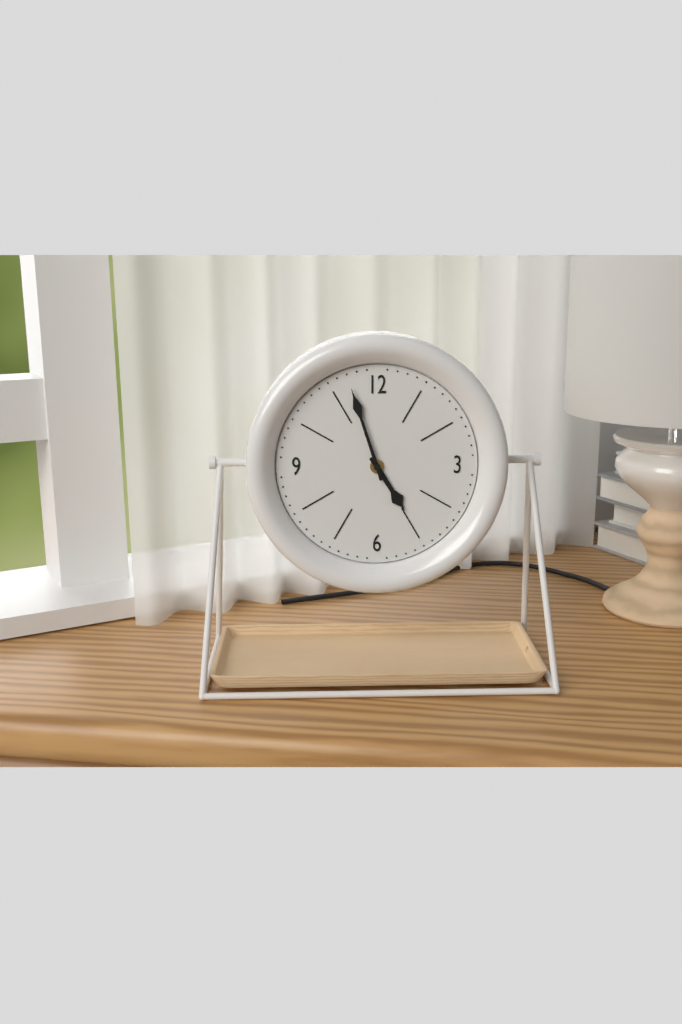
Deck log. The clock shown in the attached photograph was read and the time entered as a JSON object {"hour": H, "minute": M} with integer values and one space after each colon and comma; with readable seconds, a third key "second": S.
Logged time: {"hour": 4, "minute": 57}
